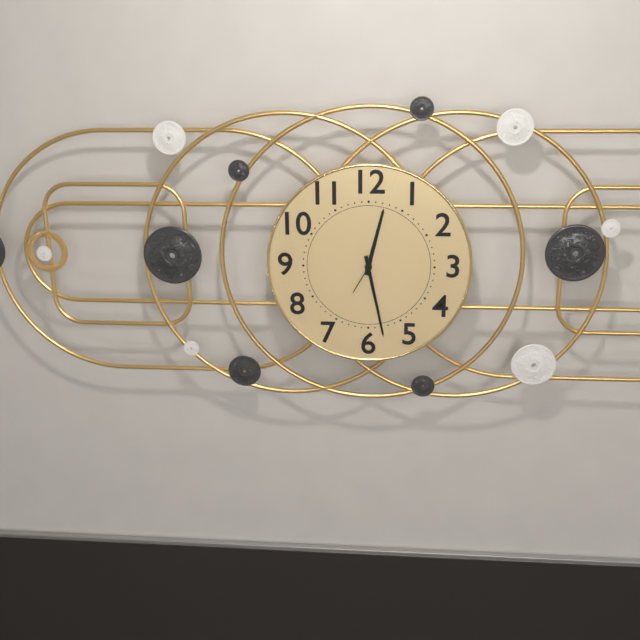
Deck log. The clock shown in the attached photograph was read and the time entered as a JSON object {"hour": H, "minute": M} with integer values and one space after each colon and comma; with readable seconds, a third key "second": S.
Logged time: {"hour": 12, "minute": 28}
